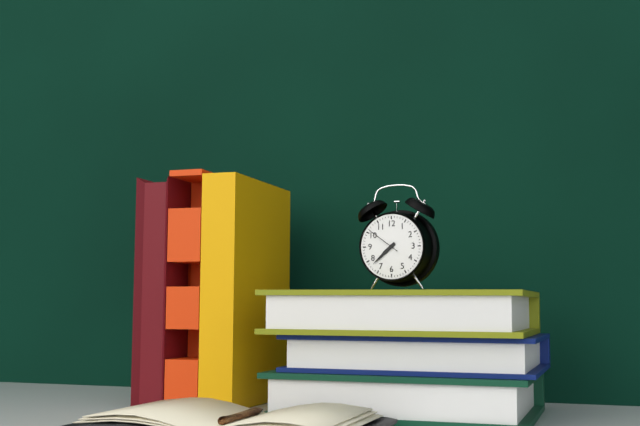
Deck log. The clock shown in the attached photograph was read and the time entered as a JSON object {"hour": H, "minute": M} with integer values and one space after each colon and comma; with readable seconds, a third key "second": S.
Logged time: {"hour": 7, "minute": 38}
